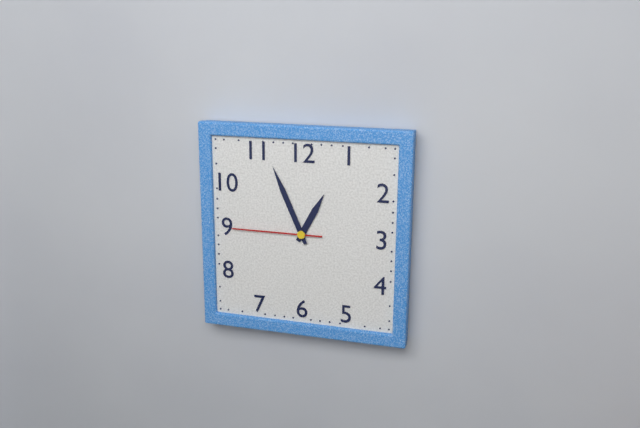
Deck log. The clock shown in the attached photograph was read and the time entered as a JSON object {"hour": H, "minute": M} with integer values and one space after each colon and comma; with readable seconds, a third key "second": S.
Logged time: {"hour": 12, "minute": 56, "second": 45}
